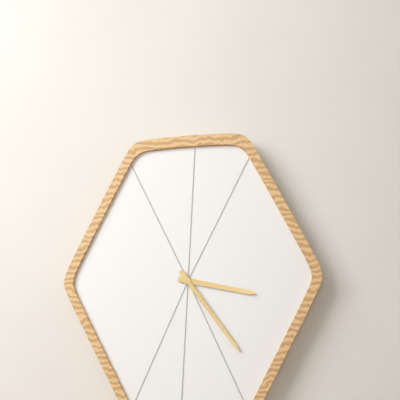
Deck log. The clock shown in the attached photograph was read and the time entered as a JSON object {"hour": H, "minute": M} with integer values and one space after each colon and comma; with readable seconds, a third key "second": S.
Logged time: {"hour": 3, "minute": 24}
